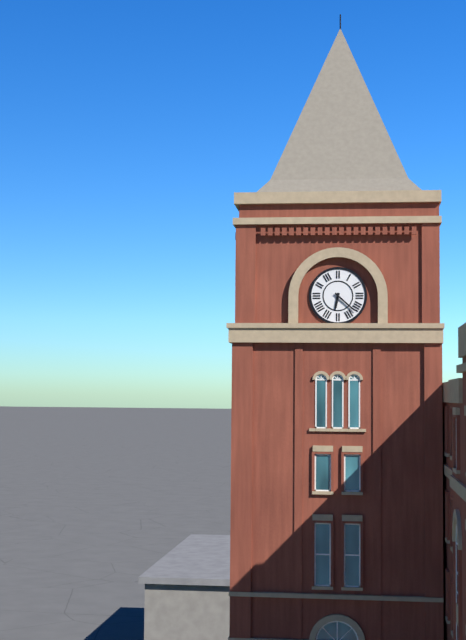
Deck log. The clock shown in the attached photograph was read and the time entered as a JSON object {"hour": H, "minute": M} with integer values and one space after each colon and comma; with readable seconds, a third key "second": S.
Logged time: {"hour": 6, "minute": 22}
